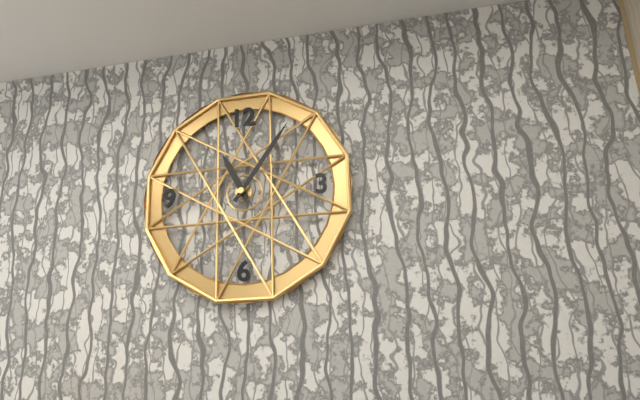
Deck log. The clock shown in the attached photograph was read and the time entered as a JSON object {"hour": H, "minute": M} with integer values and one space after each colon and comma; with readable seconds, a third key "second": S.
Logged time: {"hour": 11, "minute": 6}
